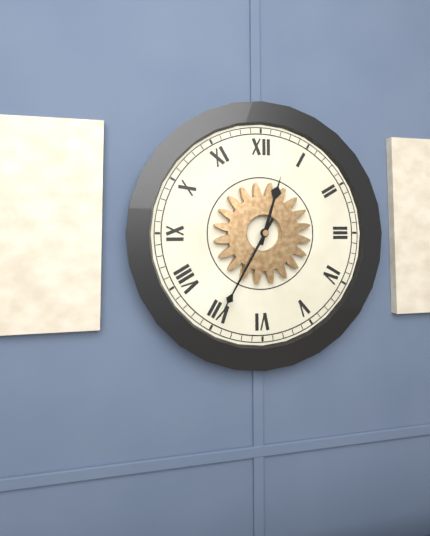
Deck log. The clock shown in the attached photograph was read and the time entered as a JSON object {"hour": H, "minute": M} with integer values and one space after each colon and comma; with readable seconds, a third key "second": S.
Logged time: {"hour": 12, "minute": 35}
